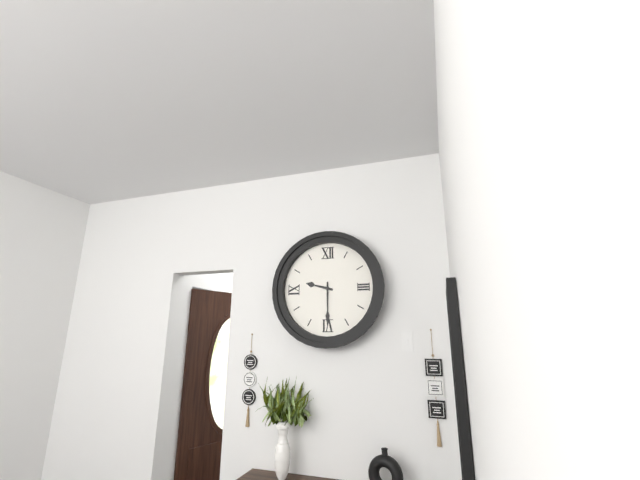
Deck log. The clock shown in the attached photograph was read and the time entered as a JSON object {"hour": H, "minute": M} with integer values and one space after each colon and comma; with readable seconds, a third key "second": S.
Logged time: {"hour": 9, "minute": 30}
